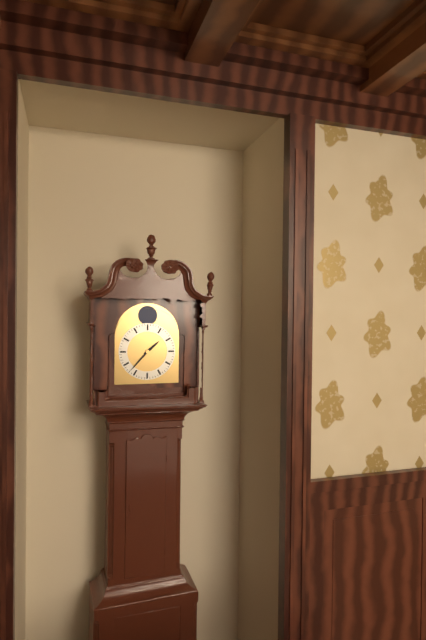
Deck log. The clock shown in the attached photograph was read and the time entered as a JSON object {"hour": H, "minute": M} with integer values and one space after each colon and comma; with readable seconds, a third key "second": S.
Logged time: {"hour": 1, "minute": 37}
